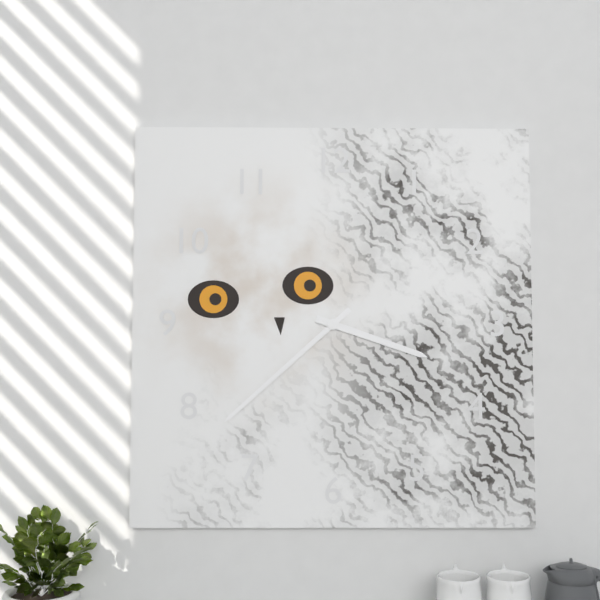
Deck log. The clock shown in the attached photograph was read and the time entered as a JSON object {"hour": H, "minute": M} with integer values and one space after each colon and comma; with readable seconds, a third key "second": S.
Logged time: {"hour": 3, "minute": 38}
